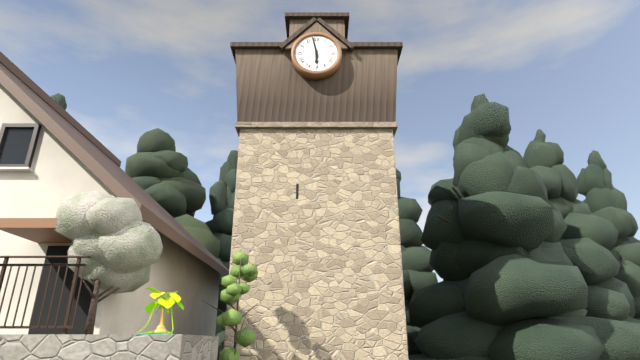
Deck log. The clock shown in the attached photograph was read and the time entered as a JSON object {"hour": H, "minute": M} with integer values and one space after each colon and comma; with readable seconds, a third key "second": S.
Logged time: {"hour": 5, "minute": 58}
